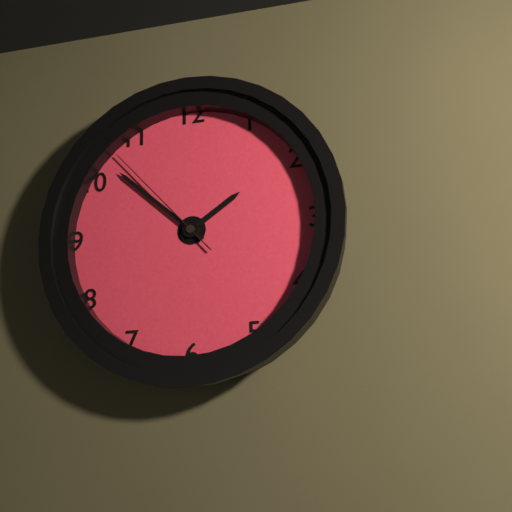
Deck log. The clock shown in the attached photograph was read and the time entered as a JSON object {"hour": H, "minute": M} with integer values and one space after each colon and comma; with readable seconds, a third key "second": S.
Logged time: {"hour": 1, "minute": 52, "second": 53}
